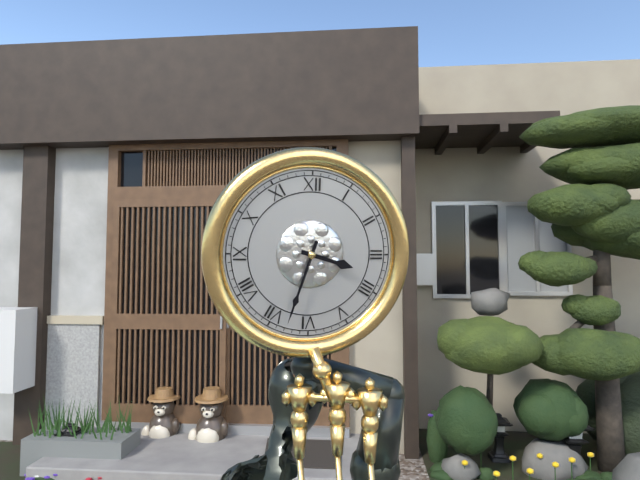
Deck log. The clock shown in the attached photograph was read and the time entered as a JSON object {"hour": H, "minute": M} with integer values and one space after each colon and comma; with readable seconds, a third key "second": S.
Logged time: {"hour": 3, "minute": 33}
